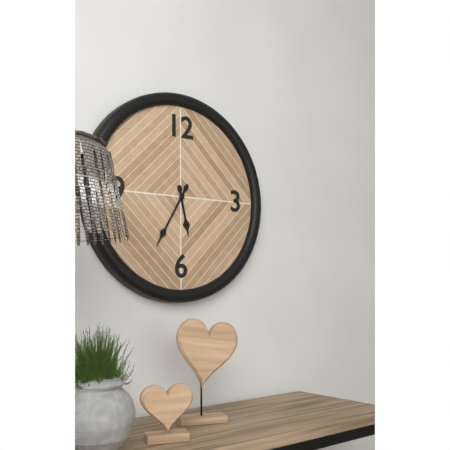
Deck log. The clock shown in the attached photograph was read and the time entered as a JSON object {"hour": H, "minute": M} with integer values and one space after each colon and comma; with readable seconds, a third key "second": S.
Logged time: {"hour": 5, "minute": 35}
